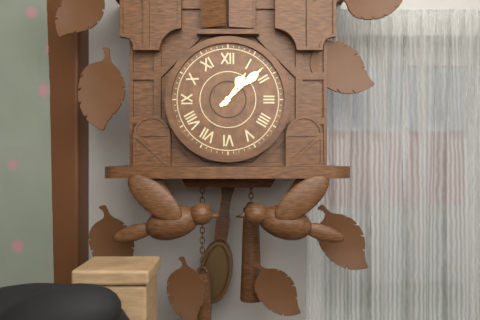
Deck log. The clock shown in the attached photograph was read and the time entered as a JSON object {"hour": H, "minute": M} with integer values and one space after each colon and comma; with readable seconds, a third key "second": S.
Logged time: {"hour": 1, "minute": 8}
